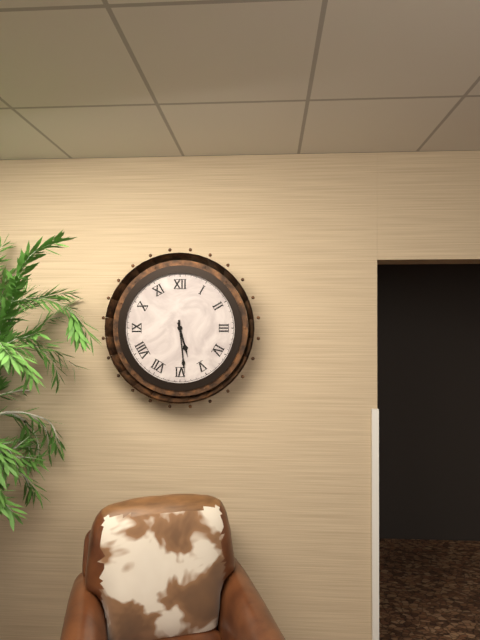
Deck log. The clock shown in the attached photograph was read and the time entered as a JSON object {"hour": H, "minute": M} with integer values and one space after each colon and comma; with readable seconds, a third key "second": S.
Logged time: {"hour": 5, "minute": 29}
